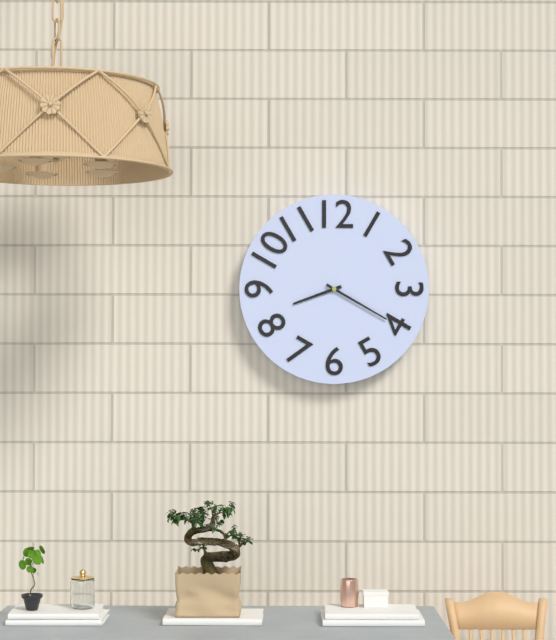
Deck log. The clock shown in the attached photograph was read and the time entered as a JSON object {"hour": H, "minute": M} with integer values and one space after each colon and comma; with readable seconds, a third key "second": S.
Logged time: {"hour": 8, "minute": 20}
